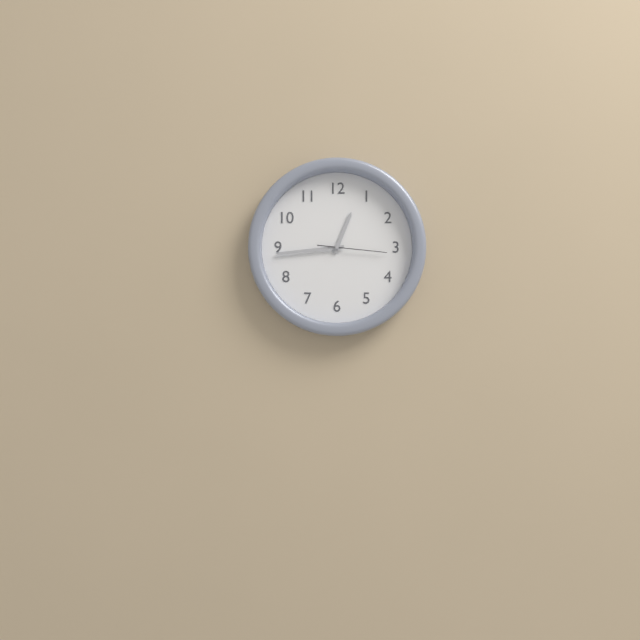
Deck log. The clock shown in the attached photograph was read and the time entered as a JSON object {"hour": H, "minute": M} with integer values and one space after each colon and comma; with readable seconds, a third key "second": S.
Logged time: {"hour": 12, "minute": 44, "second": 16}
